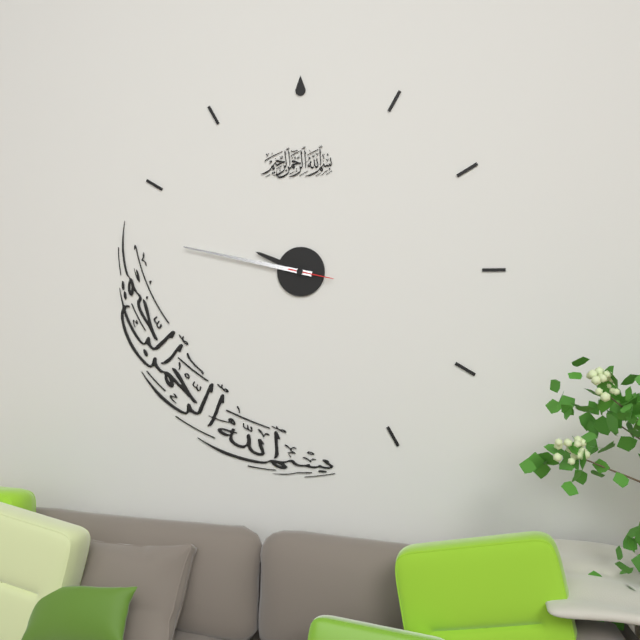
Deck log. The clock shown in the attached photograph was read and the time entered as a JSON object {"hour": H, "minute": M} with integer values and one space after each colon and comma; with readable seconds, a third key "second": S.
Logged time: {"hour": 9, "minute": 47}
